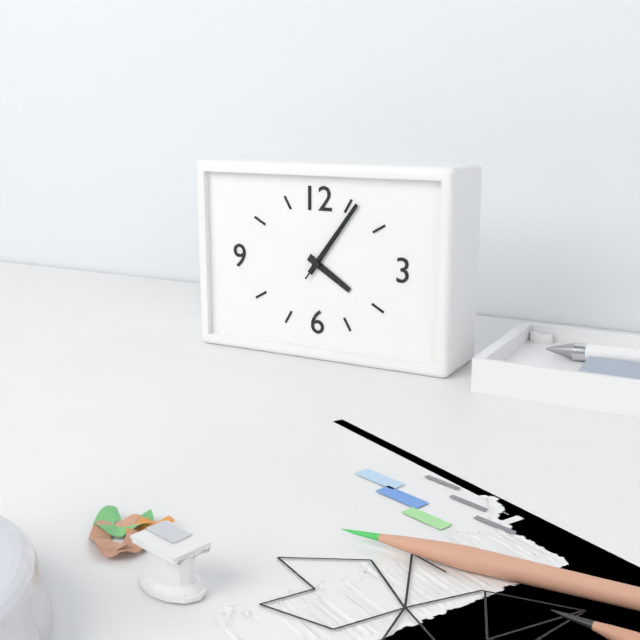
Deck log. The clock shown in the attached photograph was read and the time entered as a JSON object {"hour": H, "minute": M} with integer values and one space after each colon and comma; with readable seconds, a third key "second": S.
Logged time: {"hour": 4, "minute": 6, "second": 6}
